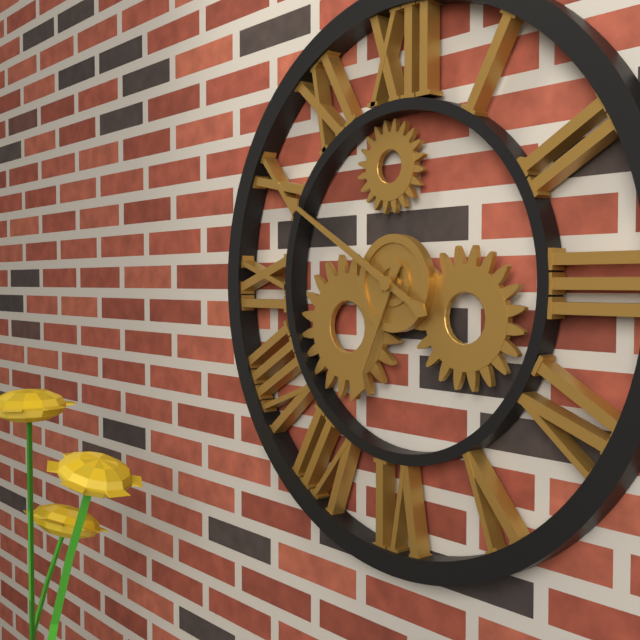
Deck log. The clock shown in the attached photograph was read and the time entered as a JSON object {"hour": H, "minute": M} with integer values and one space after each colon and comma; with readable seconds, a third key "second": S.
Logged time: {"hour": 6, "minute": 50}
